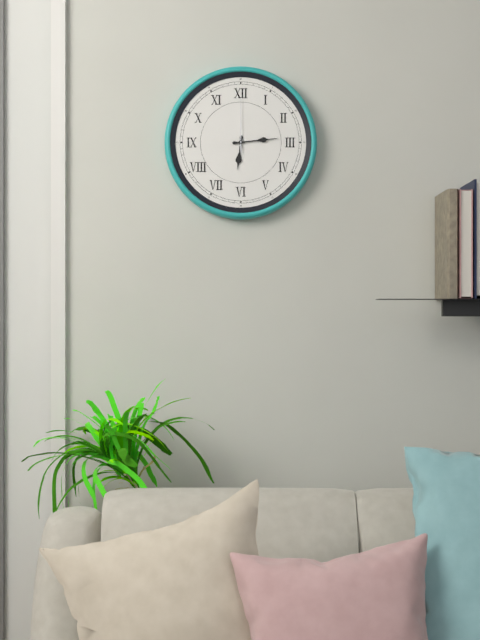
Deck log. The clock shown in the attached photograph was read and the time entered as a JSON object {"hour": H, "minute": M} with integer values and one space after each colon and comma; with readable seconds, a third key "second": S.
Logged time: {"hour": 6, "minute": 14, "second": 0}
